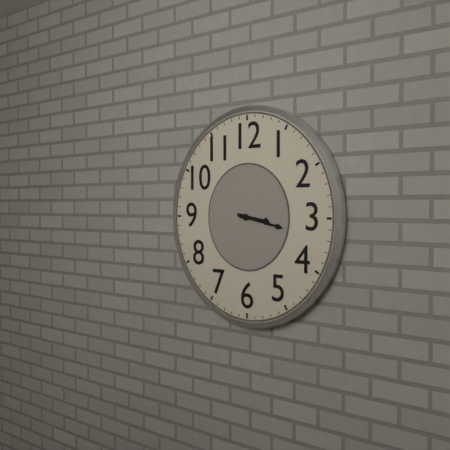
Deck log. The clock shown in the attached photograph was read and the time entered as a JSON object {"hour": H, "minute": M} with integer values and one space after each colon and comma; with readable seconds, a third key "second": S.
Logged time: {"hour": 3, "minute": 17}
